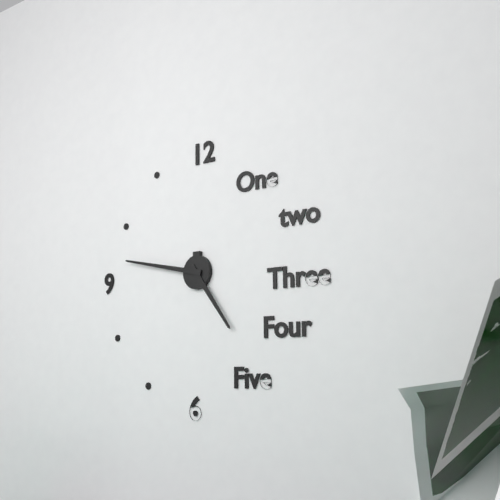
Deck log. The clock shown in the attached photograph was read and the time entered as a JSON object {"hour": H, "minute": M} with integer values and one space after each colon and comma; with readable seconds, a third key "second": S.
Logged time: {"hour": 4, "minute": 47}
